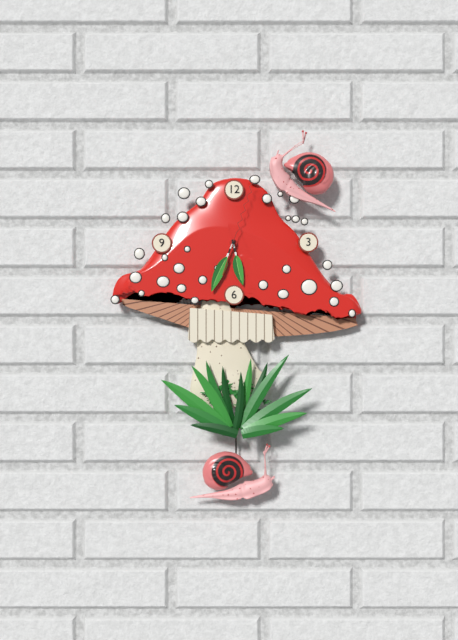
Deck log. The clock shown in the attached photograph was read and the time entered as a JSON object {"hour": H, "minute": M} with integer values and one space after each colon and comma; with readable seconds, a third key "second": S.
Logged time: {"hour": 5, "minute": 34, "second": 3}
